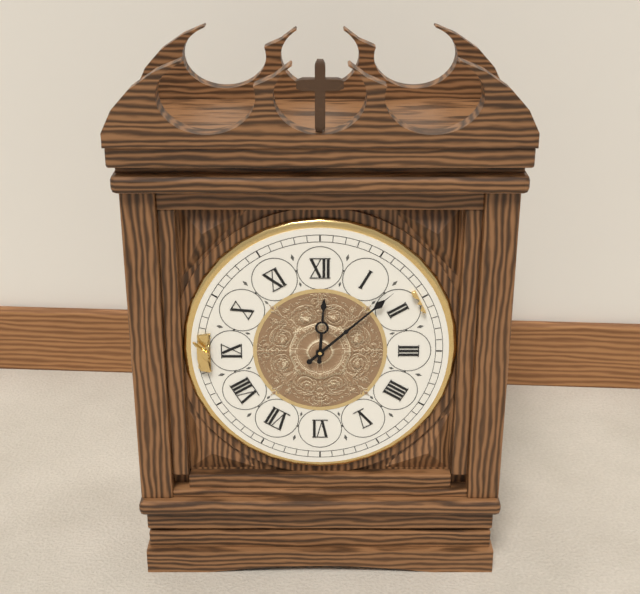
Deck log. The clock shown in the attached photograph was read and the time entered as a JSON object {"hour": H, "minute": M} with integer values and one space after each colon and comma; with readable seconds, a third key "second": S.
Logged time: {"hour": 12, "minute": 8}
